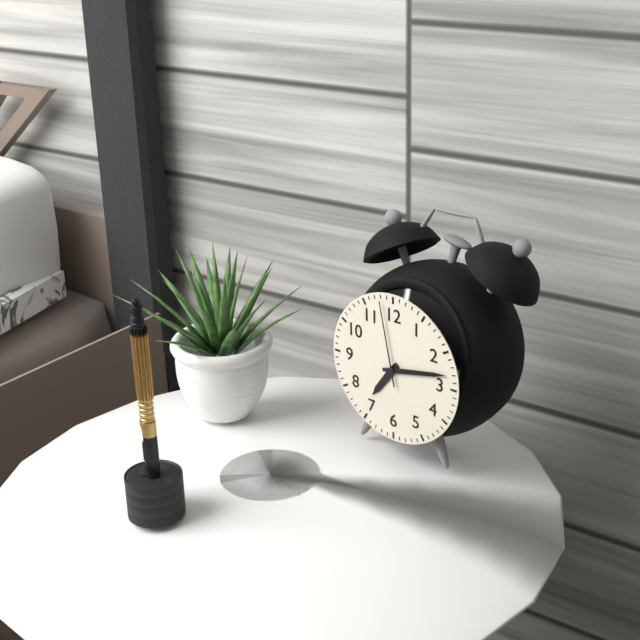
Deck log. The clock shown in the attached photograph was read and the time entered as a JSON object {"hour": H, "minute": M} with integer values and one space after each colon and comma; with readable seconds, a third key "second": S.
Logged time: {"hour": 7, "minute": 13, "second": 58}
